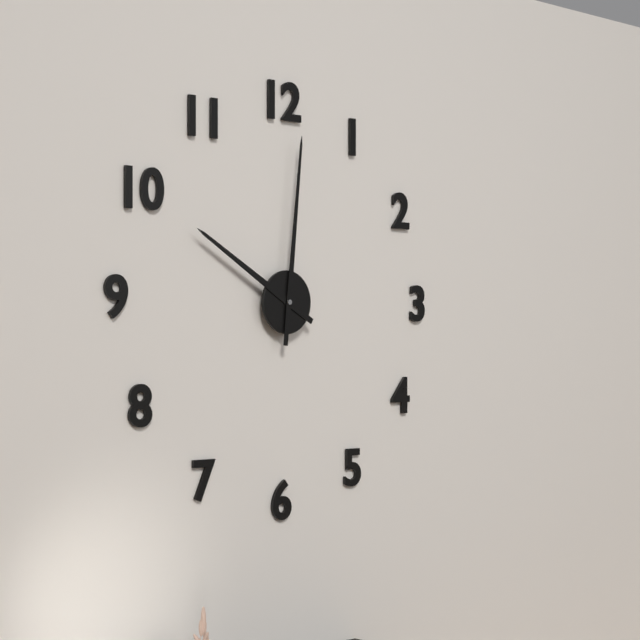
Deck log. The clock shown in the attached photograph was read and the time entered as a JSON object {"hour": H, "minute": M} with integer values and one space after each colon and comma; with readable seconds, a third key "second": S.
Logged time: {"hour": 10, "minute": 1}
